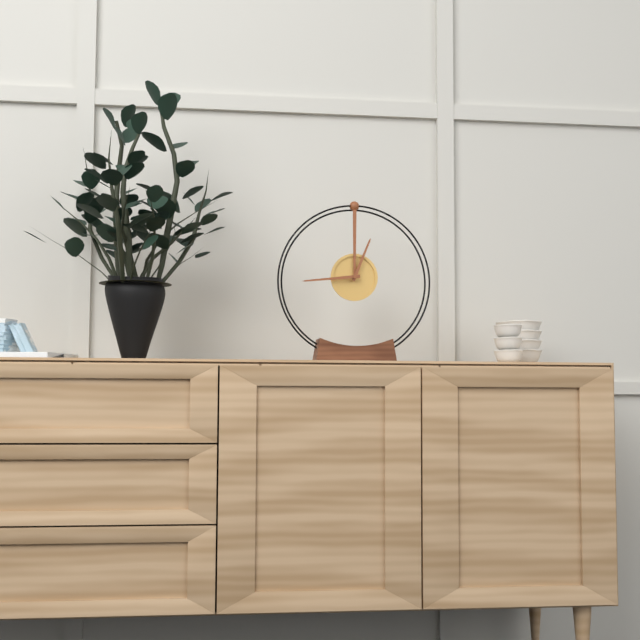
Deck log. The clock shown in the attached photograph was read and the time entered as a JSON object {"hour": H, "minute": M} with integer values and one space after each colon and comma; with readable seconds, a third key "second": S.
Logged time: {"hour": 12, "minute": 44}
